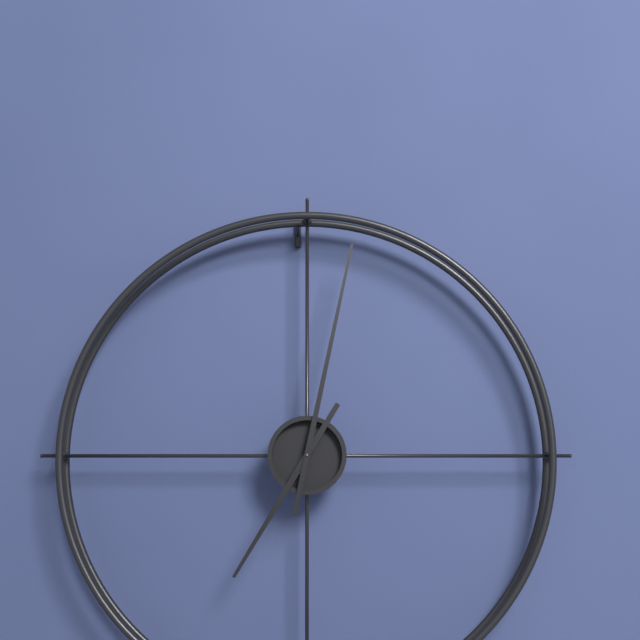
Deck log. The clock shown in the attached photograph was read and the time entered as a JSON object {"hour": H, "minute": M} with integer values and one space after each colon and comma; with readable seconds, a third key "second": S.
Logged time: {"hour": 7, "minute": 2}
